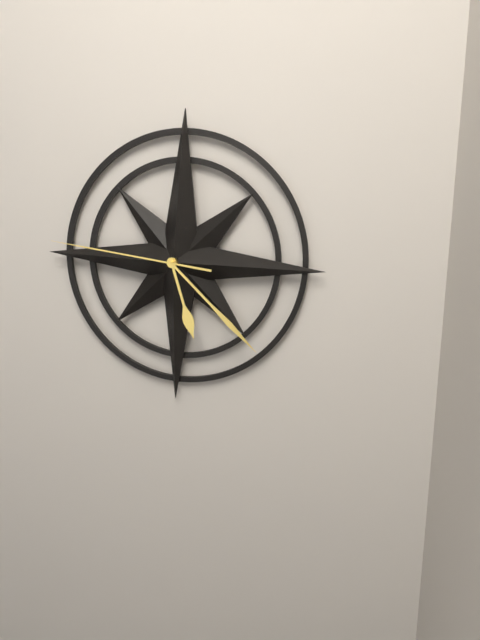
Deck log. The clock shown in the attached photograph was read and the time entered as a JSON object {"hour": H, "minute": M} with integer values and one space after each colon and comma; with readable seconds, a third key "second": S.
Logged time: {"hour": 5, "minute": 22, "second": 46}
